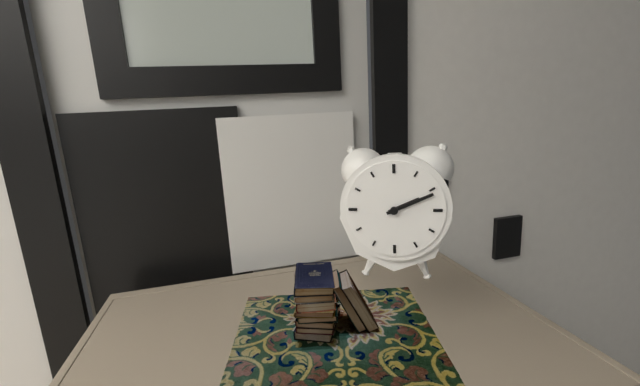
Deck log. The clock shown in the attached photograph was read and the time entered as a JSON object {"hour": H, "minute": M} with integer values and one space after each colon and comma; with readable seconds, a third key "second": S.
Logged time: {"hour": 2, "minute": 11}
